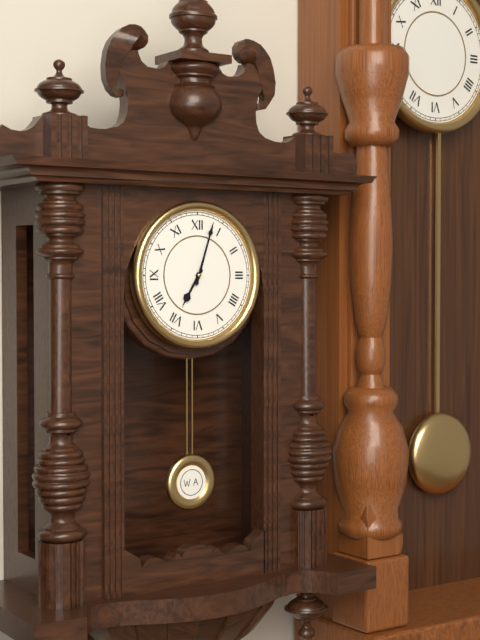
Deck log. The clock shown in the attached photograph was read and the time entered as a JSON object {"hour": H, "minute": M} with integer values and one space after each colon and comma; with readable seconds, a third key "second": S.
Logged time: {"hour": 7, "minute": 3}
